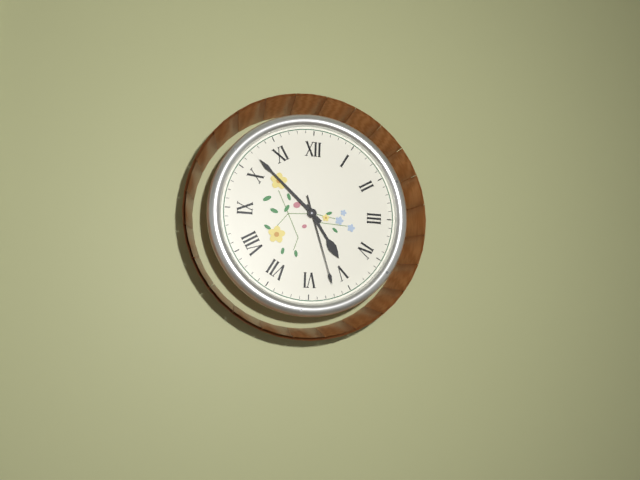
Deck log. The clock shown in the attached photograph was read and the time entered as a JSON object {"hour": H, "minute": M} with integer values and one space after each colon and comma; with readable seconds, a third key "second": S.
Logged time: {"hour": 4, "minute": 52, "second": 27}
